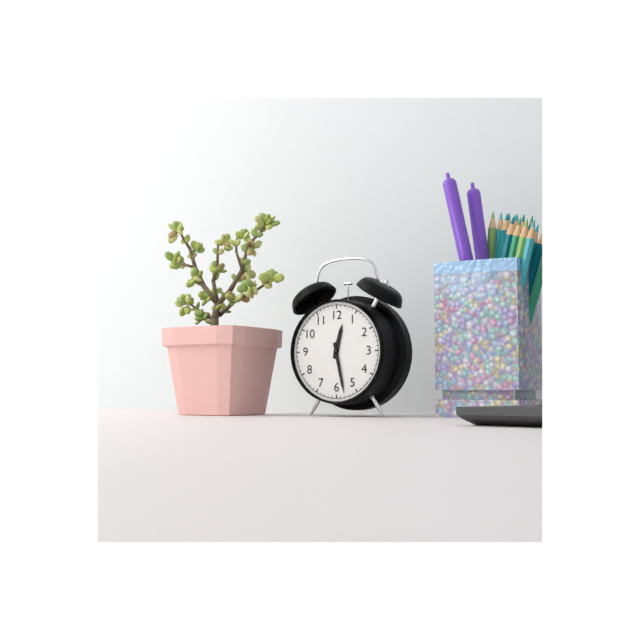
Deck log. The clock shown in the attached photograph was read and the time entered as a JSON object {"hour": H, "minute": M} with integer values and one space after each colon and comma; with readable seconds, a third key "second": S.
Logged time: {"hour": 12, "minute": 28}
